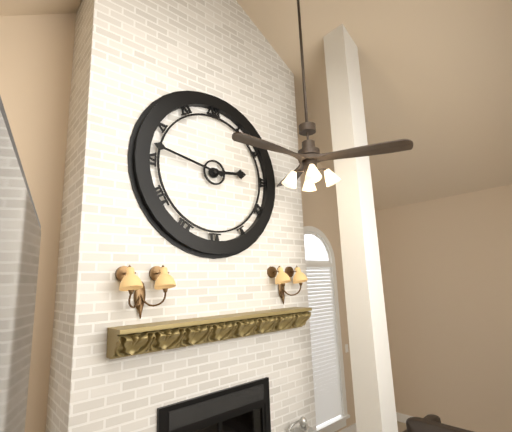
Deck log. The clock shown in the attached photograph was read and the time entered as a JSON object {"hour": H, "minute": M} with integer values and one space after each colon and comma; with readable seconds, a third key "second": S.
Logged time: {"hour": 2, "minute": 47}
